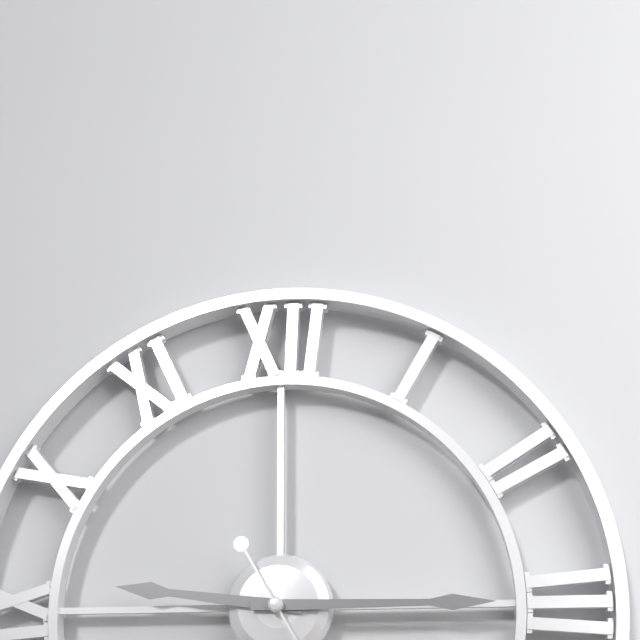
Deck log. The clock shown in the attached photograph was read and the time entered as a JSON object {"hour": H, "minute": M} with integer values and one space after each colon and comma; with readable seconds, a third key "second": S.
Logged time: {"hour": 9, "minute": 15}
